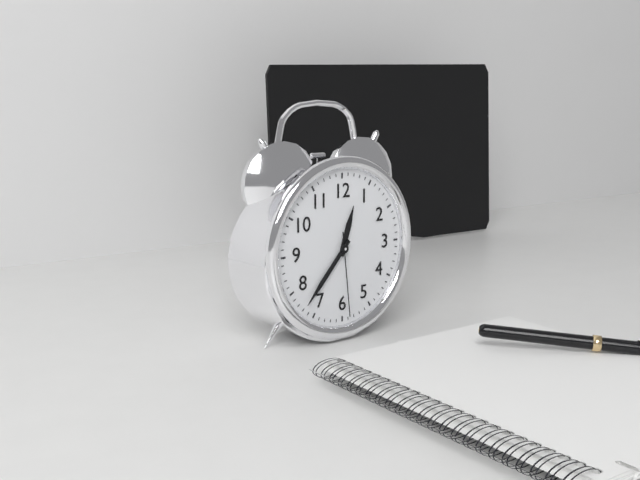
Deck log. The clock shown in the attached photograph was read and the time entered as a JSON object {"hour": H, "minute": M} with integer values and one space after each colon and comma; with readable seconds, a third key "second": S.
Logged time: {"hour": 12, "minute": 37, "second": 29}
